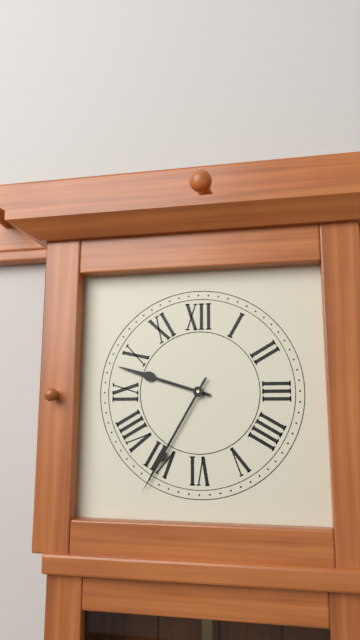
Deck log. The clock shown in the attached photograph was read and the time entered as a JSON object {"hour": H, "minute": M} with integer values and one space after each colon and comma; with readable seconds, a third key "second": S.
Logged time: {"hour": 9, "minute": 35}
